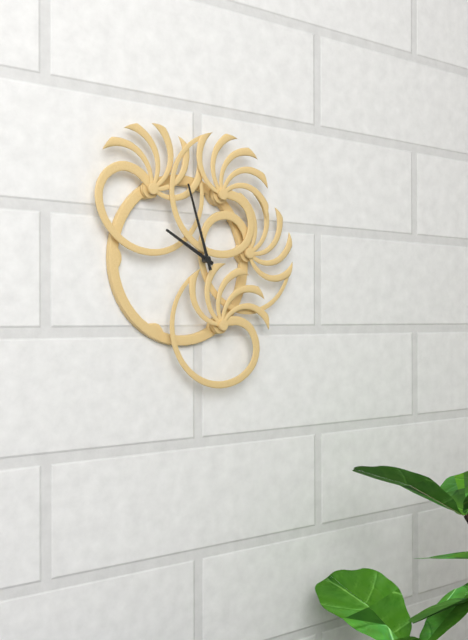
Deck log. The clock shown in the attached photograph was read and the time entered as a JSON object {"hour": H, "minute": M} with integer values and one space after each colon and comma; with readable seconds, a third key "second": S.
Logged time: {"hour": 9, "minute": 57}
